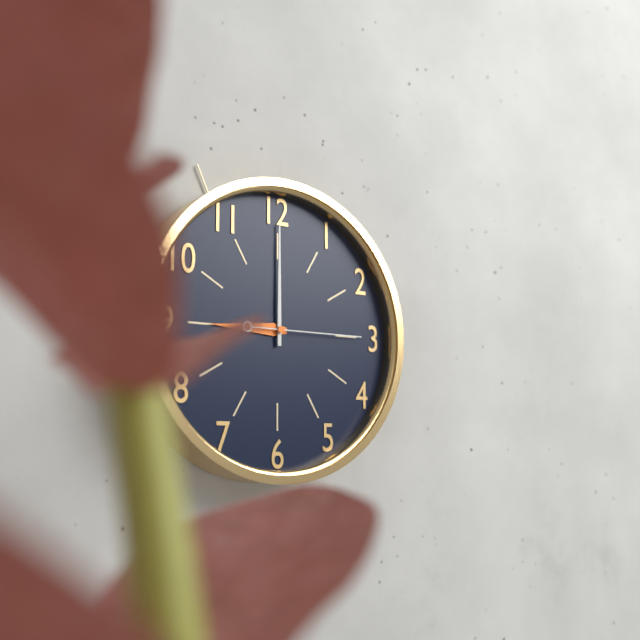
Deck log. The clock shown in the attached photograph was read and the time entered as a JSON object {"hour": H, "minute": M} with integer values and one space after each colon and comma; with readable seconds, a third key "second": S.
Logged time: {"hour": 9, "minute": 0, "second": 15}
